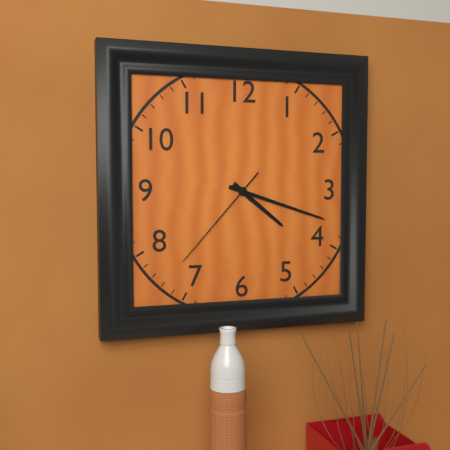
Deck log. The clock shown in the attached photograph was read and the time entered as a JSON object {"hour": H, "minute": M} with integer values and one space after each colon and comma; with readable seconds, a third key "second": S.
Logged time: {"hour": 4, "minute": 18, "second": 37}
